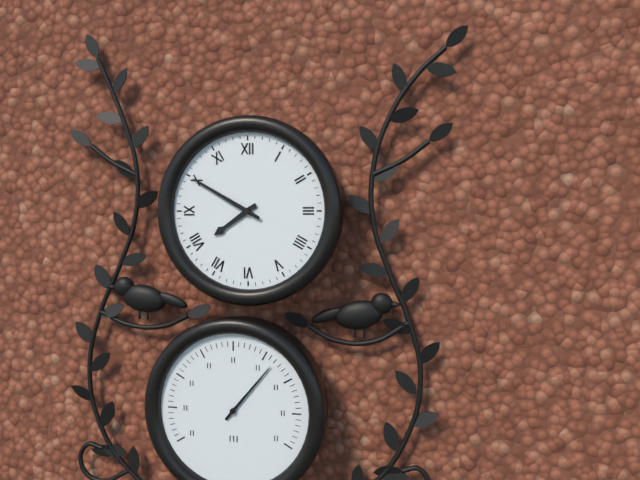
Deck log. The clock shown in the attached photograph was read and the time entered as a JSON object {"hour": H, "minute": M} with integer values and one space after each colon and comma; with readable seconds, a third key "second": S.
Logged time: {"hour": 7, "minute": 50}
